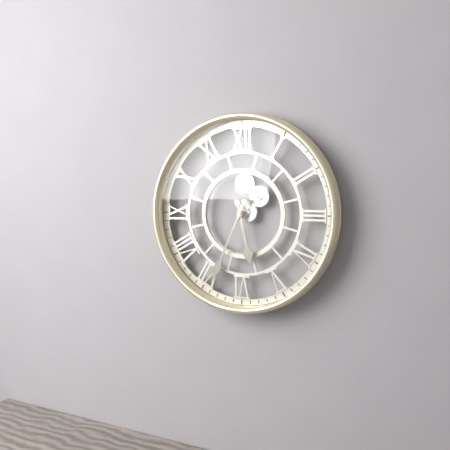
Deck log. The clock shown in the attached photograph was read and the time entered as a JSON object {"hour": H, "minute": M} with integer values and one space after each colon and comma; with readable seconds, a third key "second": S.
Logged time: {"hour": 5, "minute": 34}
